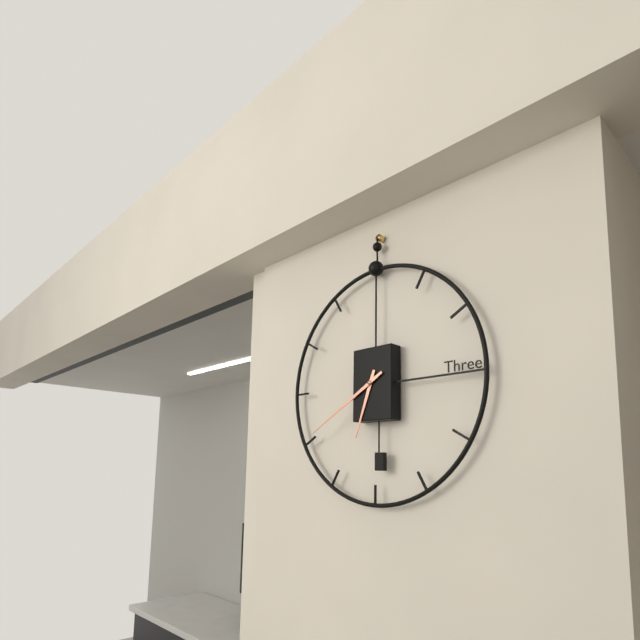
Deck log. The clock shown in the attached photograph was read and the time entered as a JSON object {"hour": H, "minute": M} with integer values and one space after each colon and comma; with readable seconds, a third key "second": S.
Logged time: {"hour": 6, "minute": 40}
